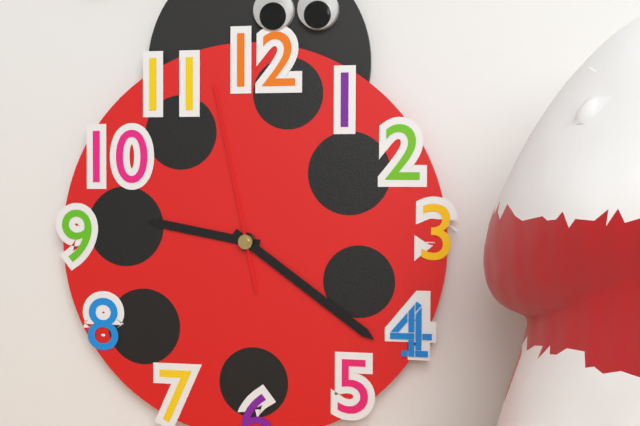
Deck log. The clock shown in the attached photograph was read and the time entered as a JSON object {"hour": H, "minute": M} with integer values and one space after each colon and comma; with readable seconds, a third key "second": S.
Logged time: {"hour": 9, "minute": 21, "second": 58}
